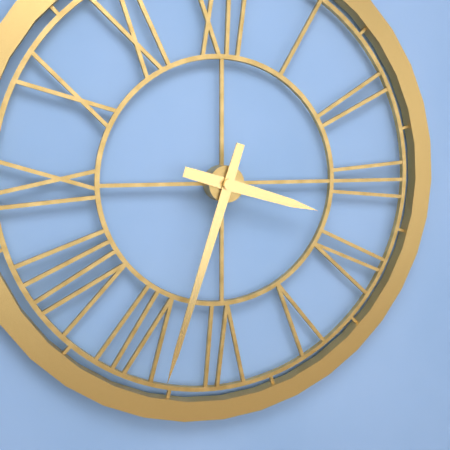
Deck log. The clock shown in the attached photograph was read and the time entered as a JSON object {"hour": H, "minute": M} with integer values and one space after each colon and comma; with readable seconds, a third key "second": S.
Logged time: {"hour": 3, "minute": 33}
